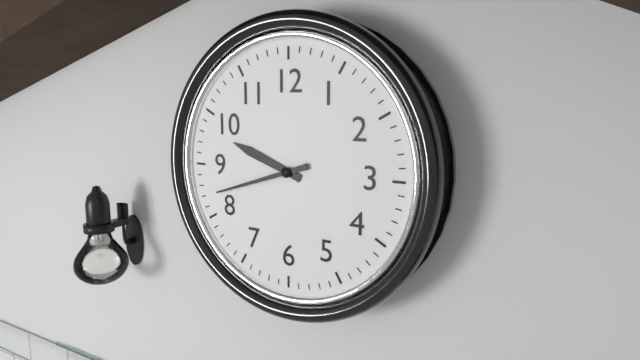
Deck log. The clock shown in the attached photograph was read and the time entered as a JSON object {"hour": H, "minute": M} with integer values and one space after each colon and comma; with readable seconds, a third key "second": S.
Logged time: {"hour": 9, "minute": 42}
